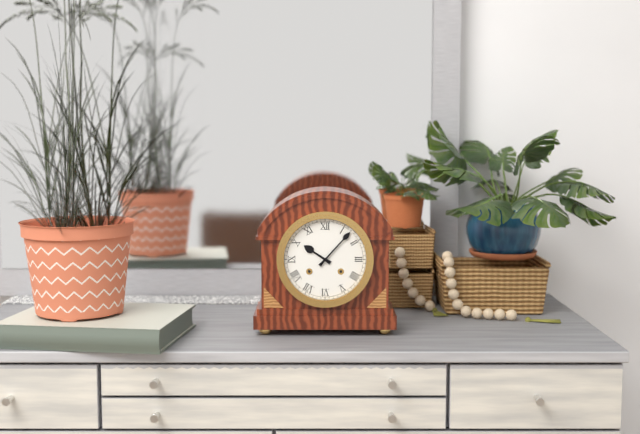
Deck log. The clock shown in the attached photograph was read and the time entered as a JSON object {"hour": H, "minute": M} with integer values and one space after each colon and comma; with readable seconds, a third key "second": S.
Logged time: {"hour": 10, "minute": 7}
